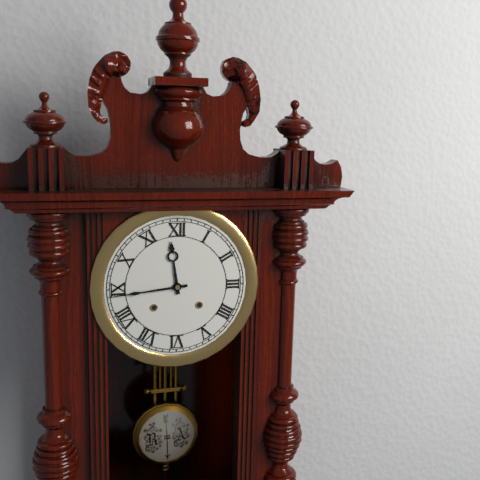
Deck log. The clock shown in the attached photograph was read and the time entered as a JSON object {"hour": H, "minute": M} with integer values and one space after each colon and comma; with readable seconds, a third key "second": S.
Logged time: {"hour": 11, "minute": 44}
